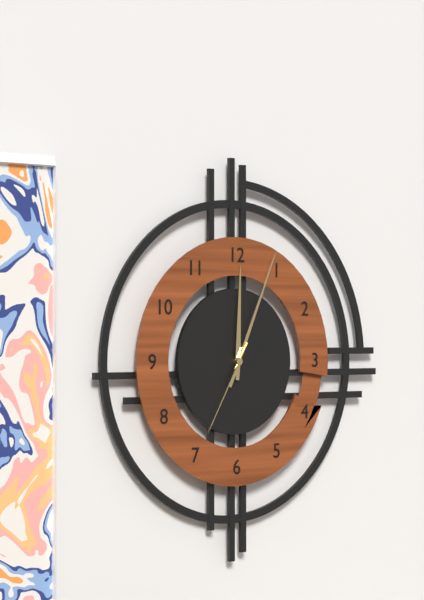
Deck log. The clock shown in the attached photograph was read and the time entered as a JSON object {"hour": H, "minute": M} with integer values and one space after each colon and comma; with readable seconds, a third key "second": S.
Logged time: {"hour": 12, "minute": 4, "second": 35}
